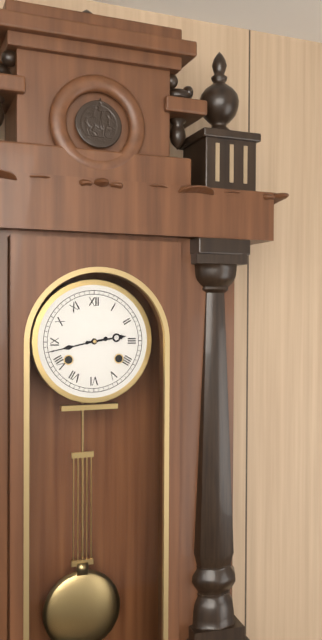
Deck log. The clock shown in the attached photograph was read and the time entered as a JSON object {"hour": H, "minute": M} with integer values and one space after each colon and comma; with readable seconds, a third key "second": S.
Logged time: {"hour": 2, "minute": 43}
